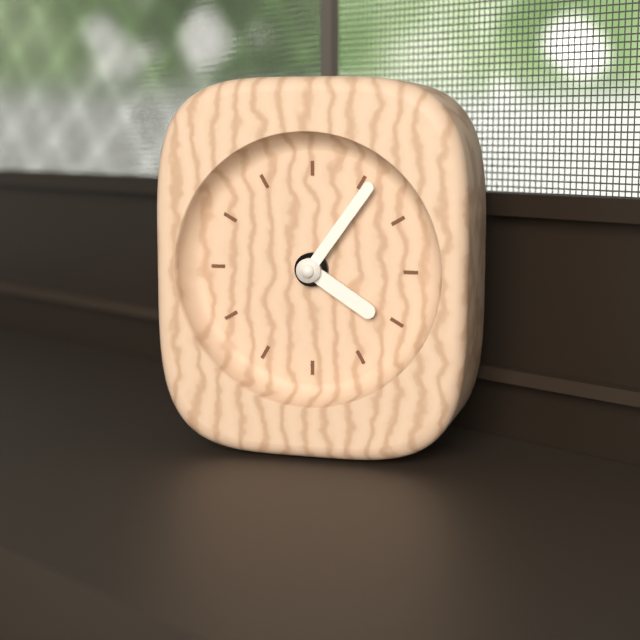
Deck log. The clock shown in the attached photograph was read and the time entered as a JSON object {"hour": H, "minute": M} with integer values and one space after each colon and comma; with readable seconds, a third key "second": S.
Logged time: {"hour": 4, "minute": 6}
